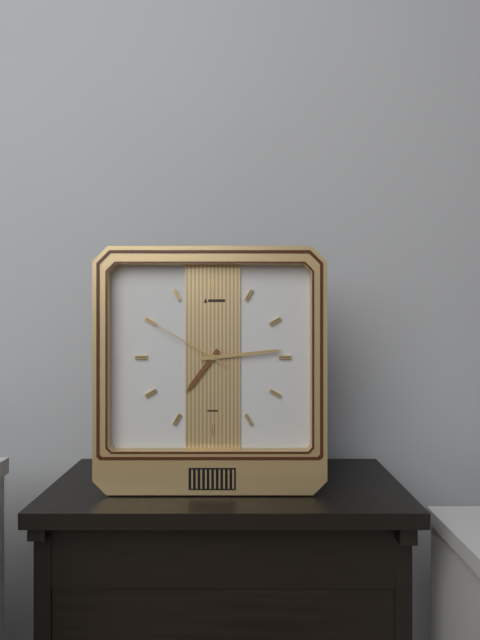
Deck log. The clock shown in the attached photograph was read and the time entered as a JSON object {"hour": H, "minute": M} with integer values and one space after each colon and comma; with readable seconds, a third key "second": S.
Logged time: {"hour": 7, "minute": 14, "second": 50}
